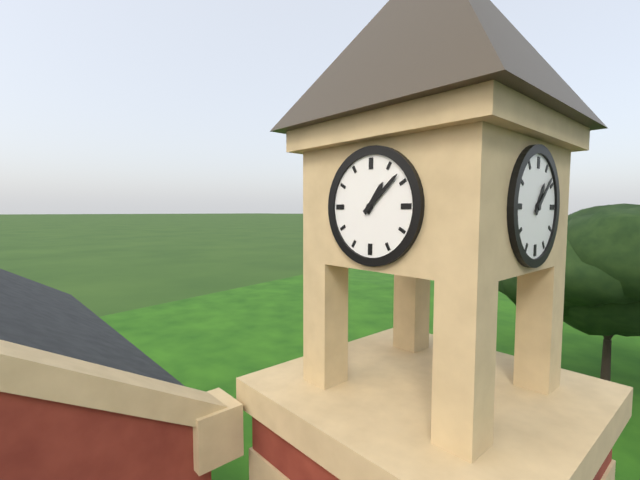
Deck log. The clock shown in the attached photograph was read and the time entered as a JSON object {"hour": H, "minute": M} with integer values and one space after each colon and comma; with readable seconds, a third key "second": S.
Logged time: {"hour": 1, "minute": 8}
